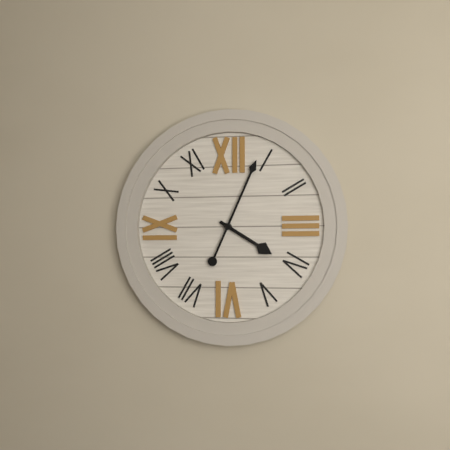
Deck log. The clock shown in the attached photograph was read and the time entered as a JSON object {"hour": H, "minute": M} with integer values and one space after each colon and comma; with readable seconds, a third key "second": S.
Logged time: {"hour": 4, "minute": 4}
